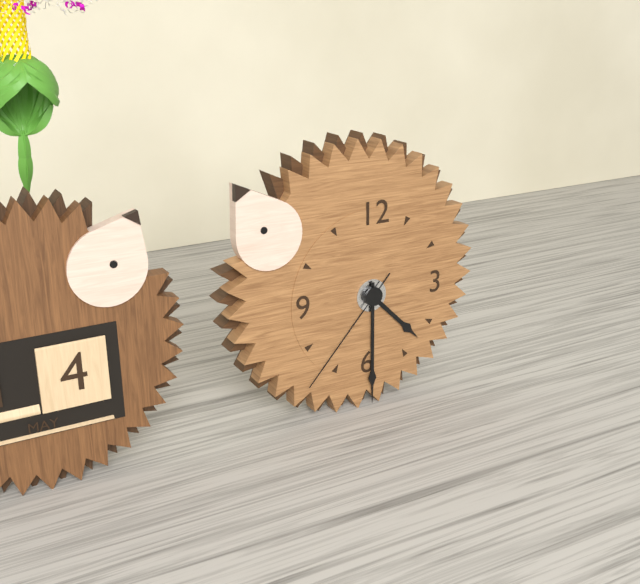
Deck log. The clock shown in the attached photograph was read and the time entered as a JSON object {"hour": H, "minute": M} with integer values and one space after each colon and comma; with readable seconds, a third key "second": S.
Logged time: {"hour": 4, "minute": 30, "second": 37}
